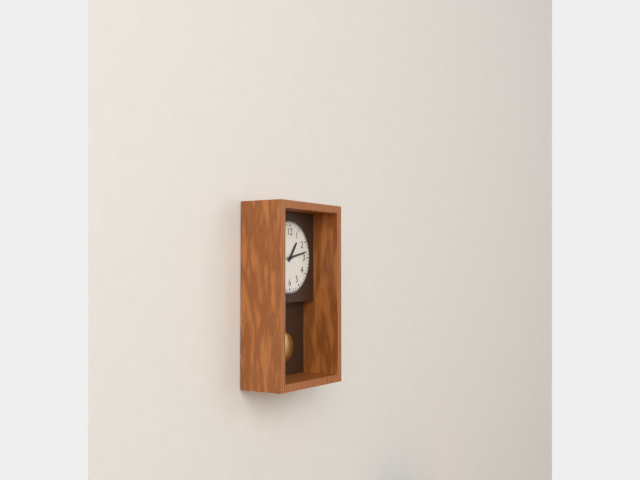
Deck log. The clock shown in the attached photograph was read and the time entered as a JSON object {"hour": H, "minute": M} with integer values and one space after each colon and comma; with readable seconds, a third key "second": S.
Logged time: {"hour": 1, "minute": 13}
